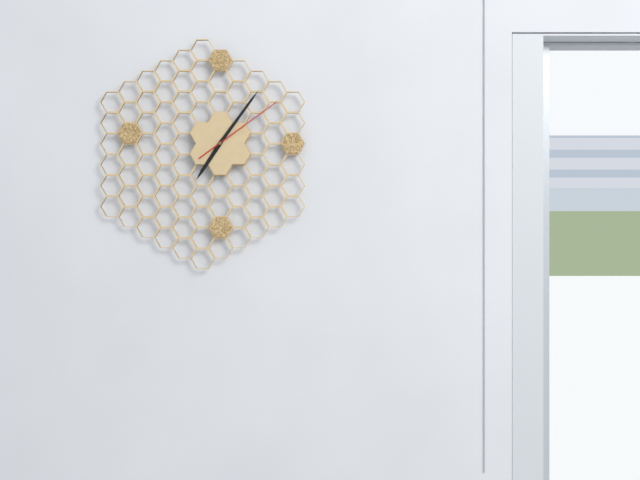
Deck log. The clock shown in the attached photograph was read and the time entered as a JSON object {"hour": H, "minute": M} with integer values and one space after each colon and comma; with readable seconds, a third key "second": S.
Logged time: {"hour": 7, "minute": 6, "second": 9}
